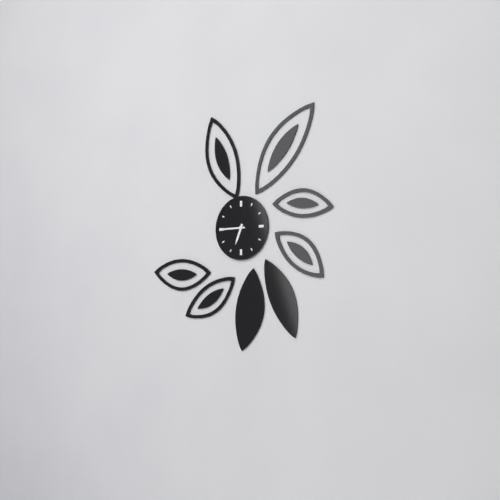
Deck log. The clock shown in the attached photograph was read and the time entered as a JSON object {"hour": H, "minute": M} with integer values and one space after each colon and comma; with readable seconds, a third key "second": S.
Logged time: {"hour": 6, "minute": 45}
